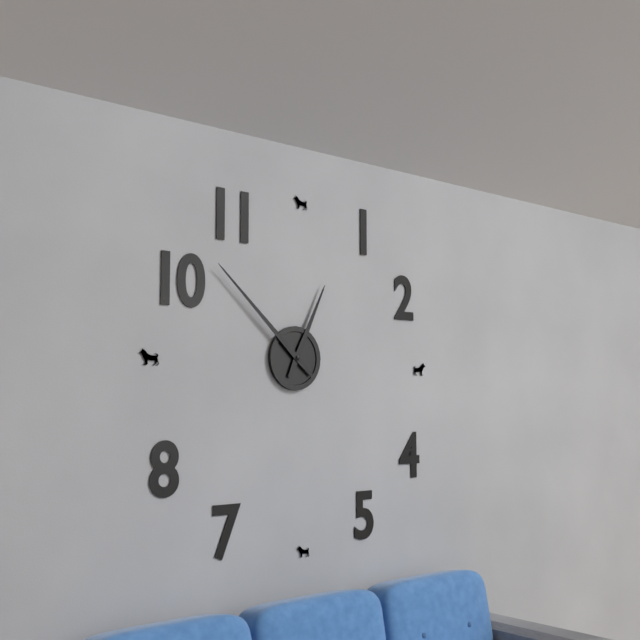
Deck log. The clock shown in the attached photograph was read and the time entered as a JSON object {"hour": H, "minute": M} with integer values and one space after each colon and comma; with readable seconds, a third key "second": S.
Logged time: {"hour": 12, "minute": 52}
